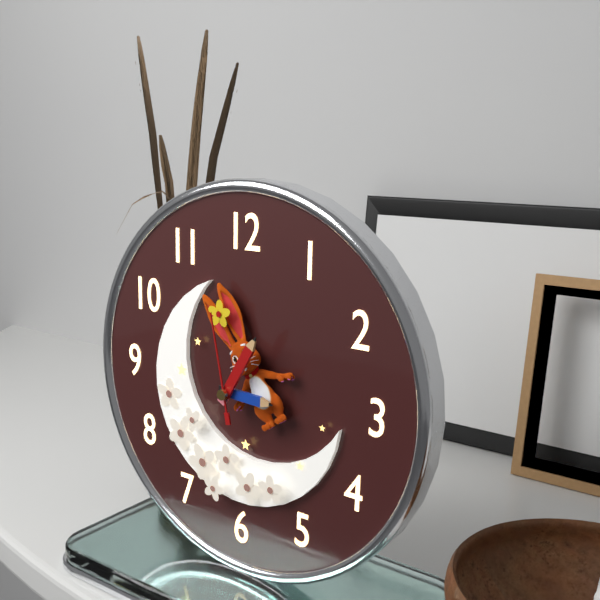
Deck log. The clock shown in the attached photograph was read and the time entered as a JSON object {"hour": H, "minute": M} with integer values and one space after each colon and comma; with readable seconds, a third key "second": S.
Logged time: {"hour": 3, "minute": 5, "second": 58}
